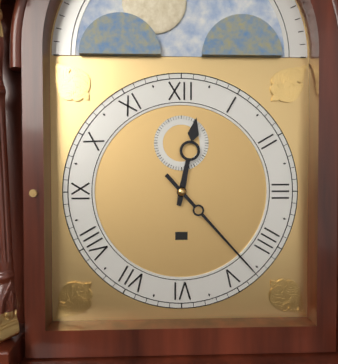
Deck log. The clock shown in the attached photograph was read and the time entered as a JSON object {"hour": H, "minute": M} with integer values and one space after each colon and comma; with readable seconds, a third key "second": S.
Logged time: {"hour": 12, "minute": 23}
